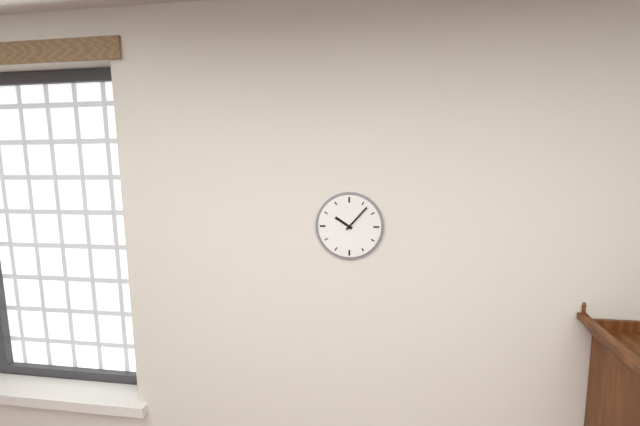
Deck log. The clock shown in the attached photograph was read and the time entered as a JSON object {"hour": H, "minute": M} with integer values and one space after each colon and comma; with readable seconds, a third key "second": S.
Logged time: {"hour": 10, "minute": 7}
